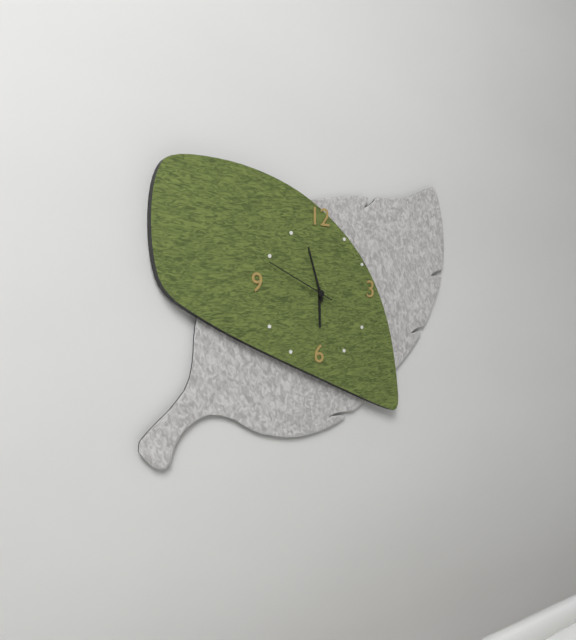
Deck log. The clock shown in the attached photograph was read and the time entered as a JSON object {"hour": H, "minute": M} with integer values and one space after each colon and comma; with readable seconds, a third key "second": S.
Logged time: {"hour": 5, "minute": 57, "second": 49}
